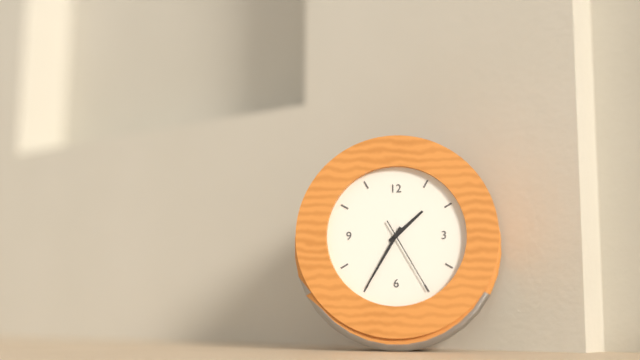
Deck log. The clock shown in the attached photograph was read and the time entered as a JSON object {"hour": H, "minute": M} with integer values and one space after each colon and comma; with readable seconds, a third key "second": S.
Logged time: {"hour": 1, "minute": 35, "second": 25}
